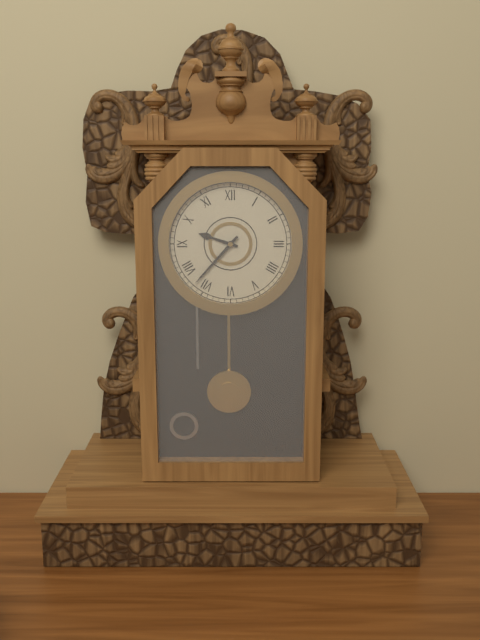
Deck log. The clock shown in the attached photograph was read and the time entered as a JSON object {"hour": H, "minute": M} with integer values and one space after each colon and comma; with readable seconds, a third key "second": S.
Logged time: {"hour": 9, "minute": 37}
